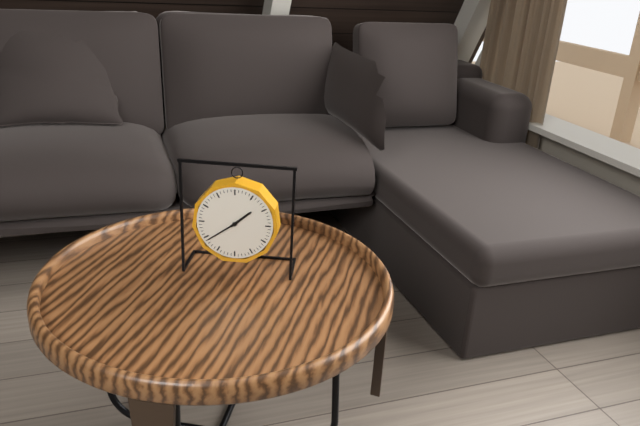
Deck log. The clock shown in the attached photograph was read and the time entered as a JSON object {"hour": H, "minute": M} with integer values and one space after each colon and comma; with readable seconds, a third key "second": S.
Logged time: {"hour": 1, "minute": 39}
